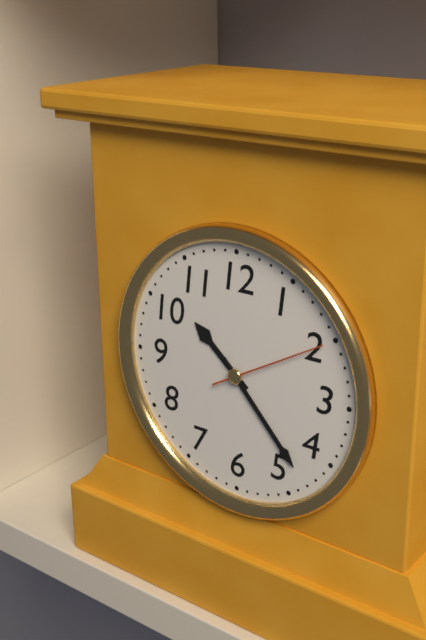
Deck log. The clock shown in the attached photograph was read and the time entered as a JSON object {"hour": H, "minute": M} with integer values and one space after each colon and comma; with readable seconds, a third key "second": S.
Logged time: {"hour": 10, "minute": 23, "second": 10}
